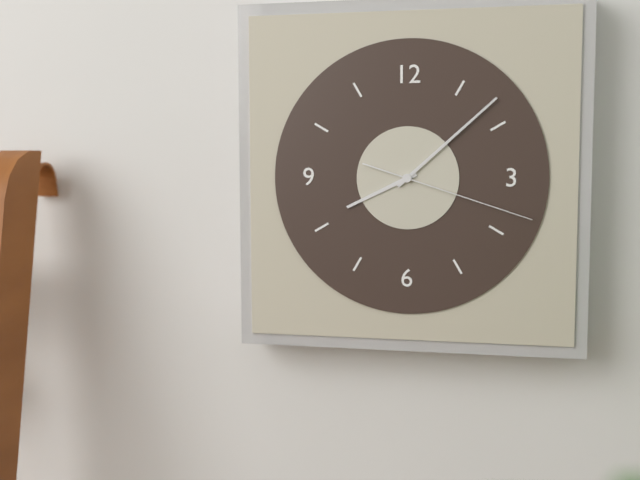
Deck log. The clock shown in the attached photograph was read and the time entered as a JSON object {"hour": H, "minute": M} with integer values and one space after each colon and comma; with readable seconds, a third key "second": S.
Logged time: {"hour": 8, "minute": 8, "second": 18}
